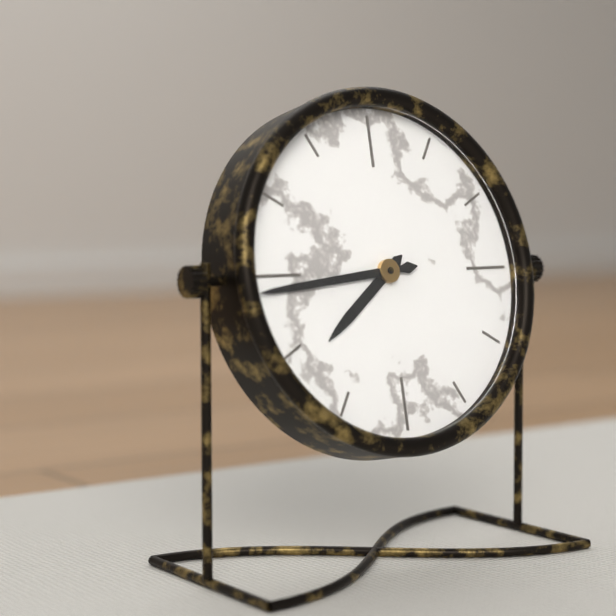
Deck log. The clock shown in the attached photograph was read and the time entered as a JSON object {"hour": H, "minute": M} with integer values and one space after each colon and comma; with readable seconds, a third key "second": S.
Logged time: {"hour": 7, "minute": 44}
